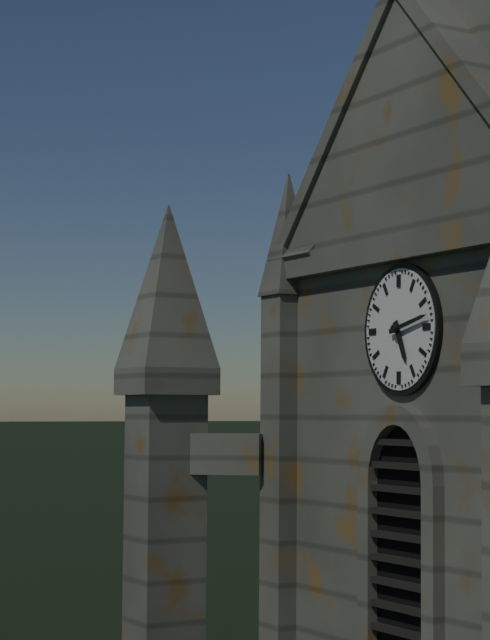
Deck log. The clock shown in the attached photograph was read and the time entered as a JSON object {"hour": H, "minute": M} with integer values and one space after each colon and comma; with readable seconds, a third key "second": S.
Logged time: {"hour": 5, "minute": 13}
